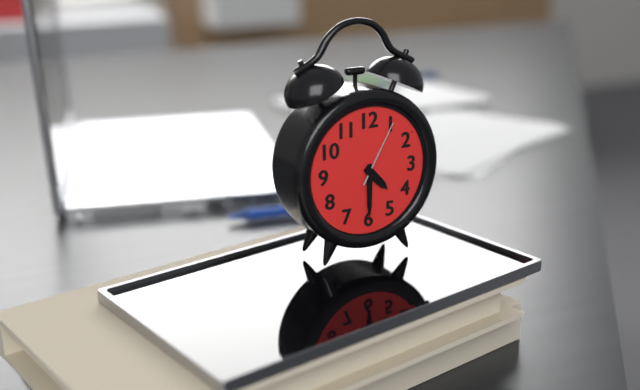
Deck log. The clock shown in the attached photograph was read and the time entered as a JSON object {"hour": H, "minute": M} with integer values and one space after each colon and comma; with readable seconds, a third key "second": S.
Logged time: {"hour": 4, "minute": 30, "second": 5}
